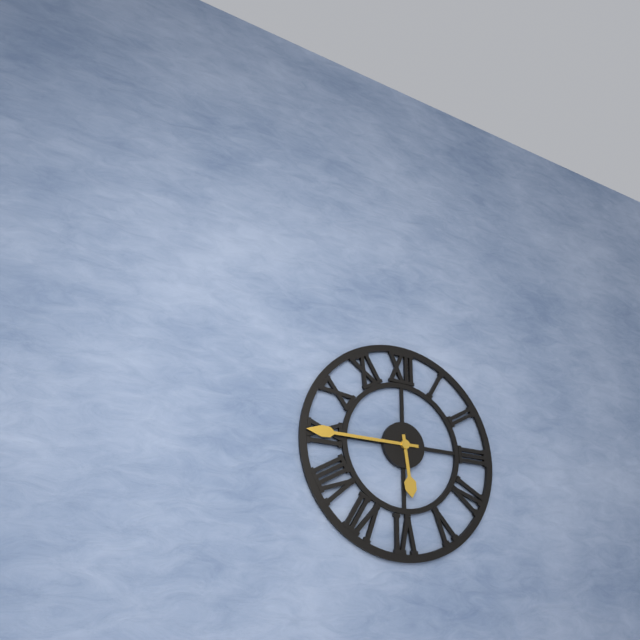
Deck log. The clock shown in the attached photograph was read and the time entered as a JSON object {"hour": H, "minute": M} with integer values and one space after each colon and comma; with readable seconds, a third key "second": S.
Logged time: {"hour": 5, "minute": 45}
